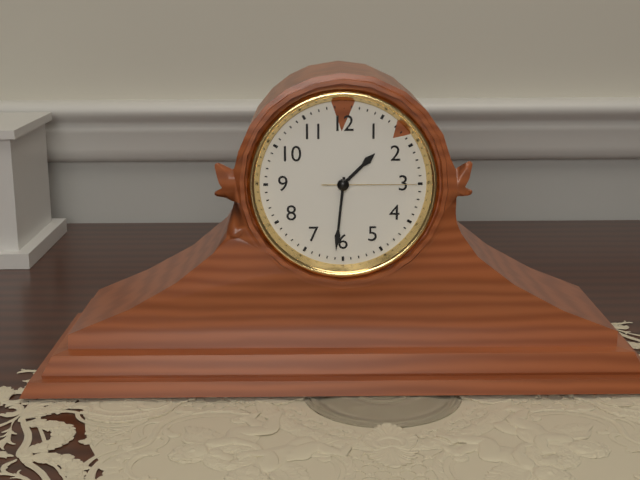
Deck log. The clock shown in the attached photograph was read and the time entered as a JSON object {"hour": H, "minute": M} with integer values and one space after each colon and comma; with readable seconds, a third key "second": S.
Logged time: {"hour": 1, "minute": 31, "second": 15}
